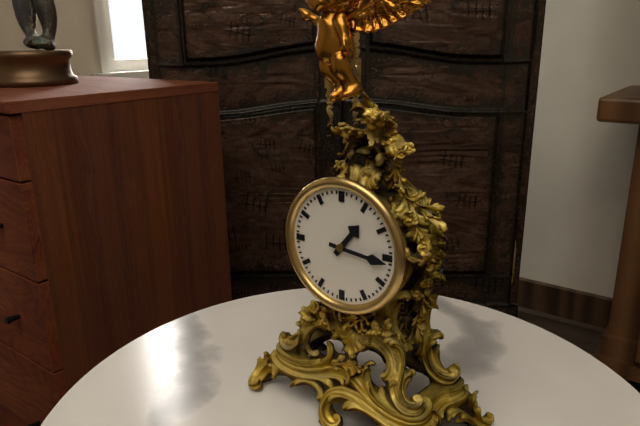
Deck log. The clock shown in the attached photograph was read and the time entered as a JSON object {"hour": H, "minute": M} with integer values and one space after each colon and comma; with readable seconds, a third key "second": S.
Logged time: {"hour": 1, "minute": 16}
